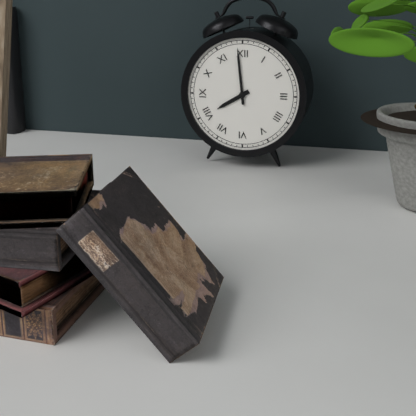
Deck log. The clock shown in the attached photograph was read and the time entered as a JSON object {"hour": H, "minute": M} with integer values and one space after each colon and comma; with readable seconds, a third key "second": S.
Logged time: {"hour": 7, "minute": 59}
